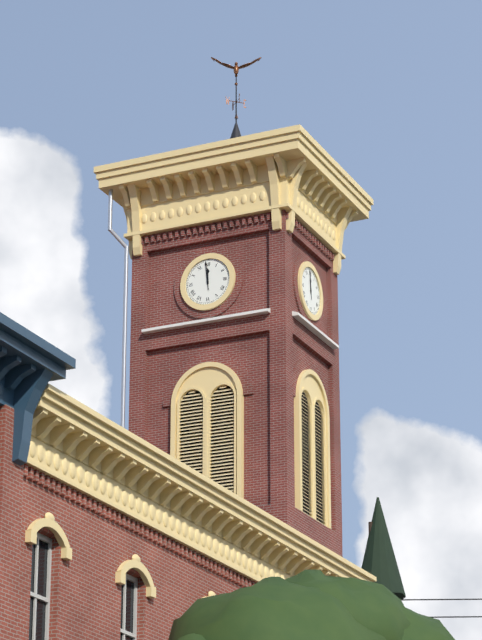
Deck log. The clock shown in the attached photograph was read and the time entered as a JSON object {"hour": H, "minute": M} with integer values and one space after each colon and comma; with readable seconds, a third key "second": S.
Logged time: {"hour": 11, "minute": 59}
